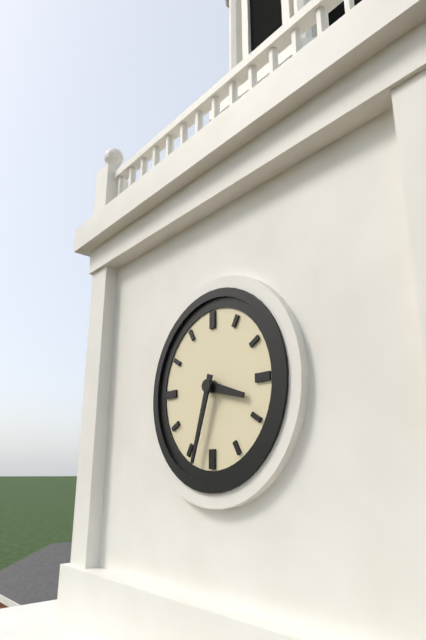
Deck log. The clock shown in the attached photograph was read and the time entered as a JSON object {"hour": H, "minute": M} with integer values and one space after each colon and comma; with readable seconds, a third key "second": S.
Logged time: {"hour": 3, "minute": 33}
